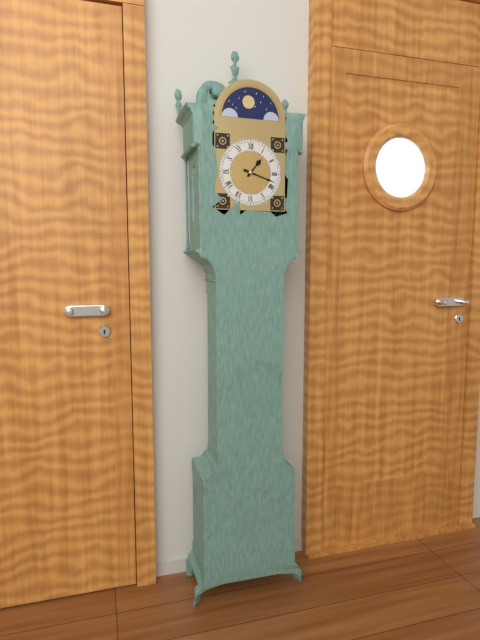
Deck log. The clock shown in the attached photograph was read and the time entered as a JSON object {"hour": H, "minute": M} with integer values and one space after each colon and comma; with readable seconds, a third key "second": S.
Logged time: {"hour": 1, "minute": 18}
